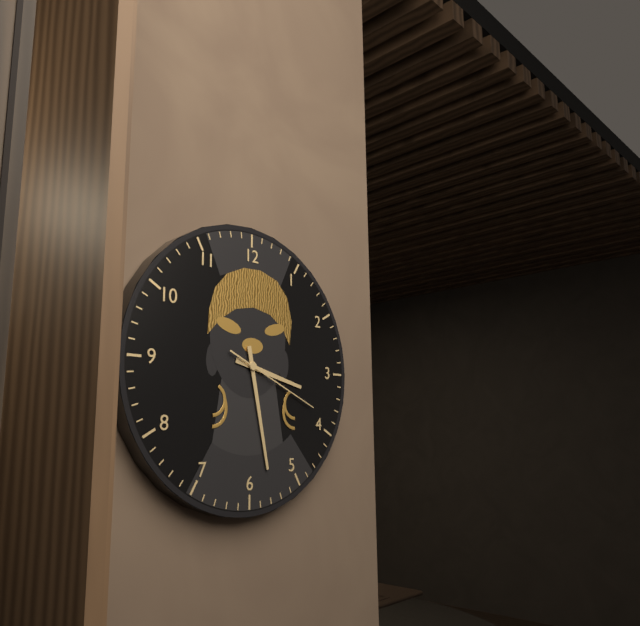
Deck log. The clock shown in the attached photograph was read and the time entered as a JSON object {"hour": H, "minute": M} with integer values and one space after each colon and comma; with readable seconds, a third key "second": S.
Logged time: {"hour": 3, "minute": 28, "second": 19}
